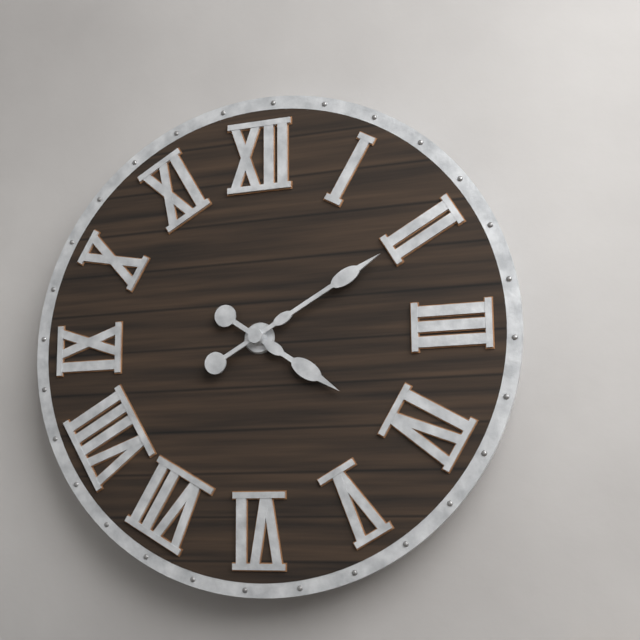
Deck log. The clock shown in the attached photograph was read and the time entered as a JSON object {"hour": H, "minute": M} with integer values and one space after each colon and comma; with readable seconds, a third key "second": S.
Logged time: {"hour": 4, "minute": 10}
